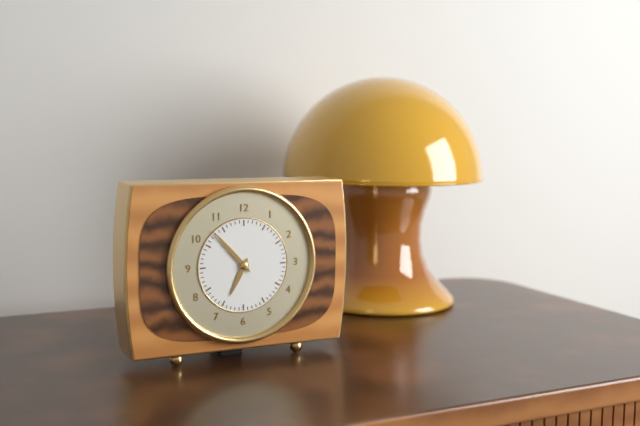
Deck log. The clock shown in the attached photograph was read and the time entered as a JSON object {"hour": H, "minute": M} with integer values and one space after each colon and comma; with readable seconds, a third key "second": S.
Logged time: {"hour": 6, "minute": 53}
